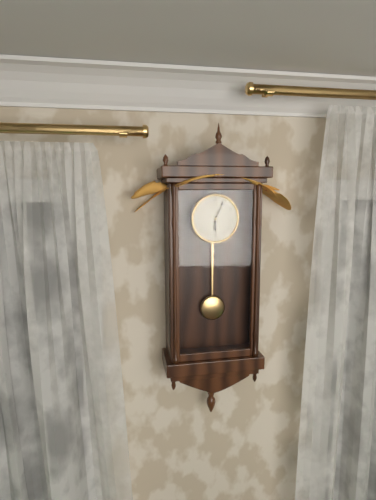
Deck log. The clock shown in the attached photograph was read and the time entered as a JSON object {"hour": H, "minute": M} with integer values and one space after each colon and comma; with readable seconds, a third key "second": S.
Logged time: {"hour": 6, "minute": 4}
